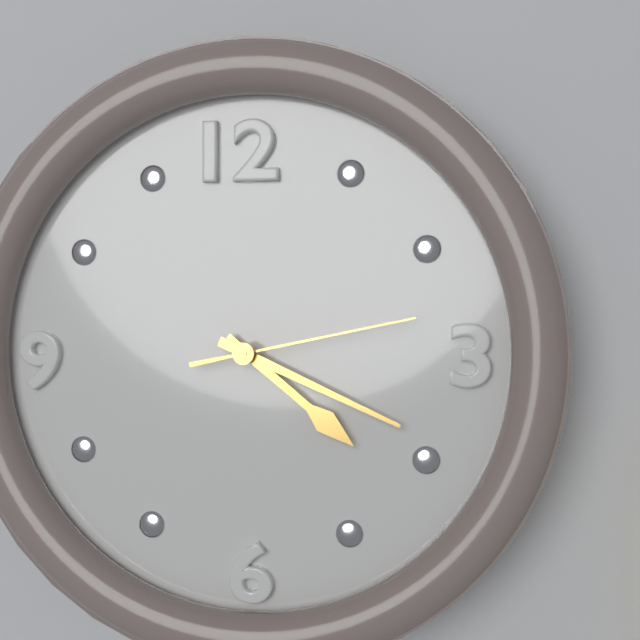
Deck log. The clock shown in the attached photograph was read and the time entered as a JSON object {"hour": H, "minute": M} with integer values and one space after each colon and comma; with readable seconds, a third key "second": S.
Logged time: {"hour": 4, "minute": 19, "second": 13}
